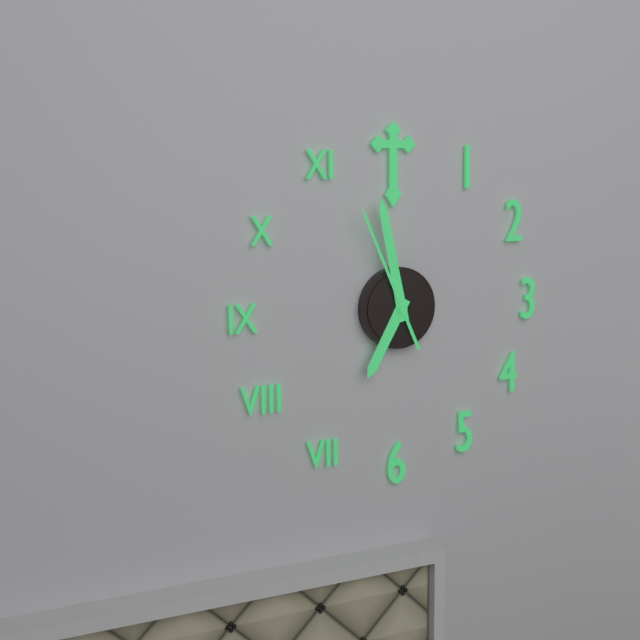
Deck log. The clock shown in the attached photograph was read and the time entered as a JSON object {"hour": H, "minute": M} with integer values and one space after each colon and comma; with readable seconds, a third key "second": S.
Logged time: {"hour": 6, "minute": 58, "second": 56}
